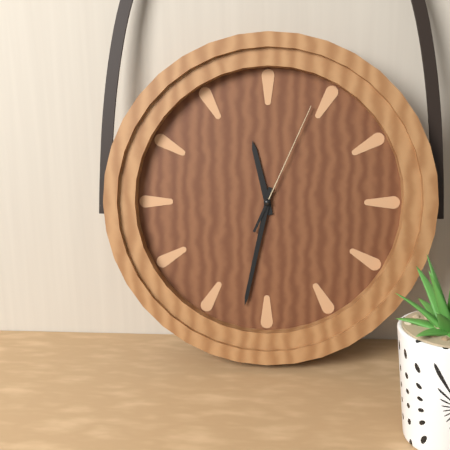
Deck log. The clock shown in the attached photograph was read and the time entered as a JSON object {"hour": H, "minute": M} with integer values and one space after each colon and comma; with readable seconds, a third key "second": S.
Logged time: {"hour": 11, "minute": 32, "second": 4}
